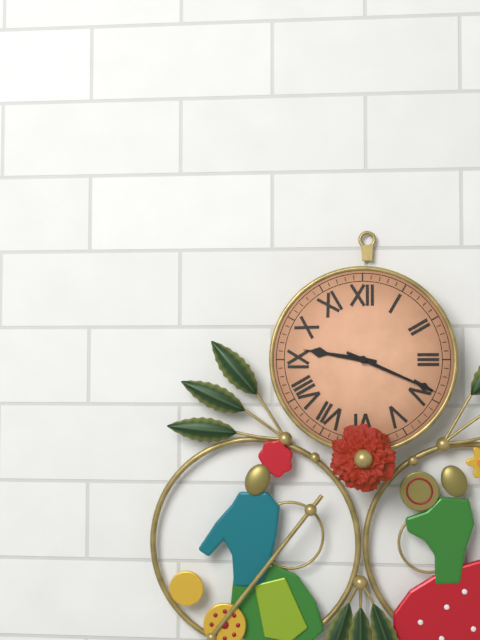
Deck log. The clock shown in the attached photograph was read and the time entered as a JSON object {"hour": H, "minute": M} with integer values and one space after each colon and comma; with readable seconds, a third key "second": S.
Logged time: {"hour": 9, "minute": 19}
